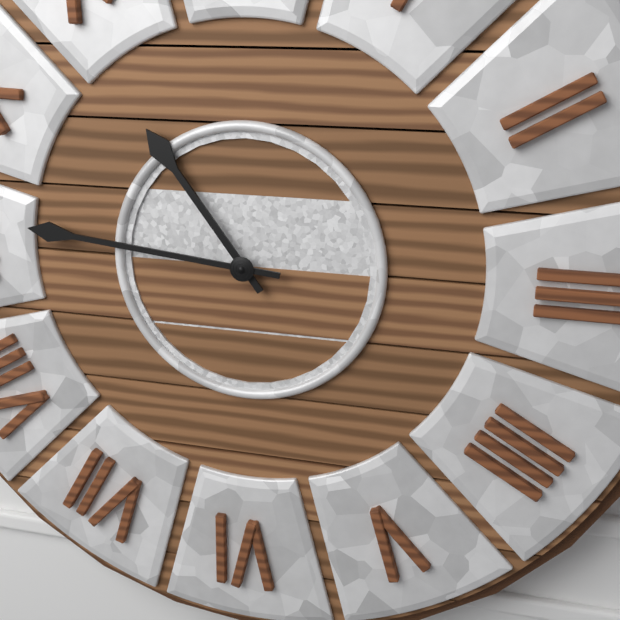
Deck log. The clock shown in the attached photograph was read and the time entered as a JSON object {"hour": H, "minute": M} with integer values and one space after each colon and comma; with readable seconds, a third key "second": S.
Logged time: {"hour": 10, "minute": 46}
